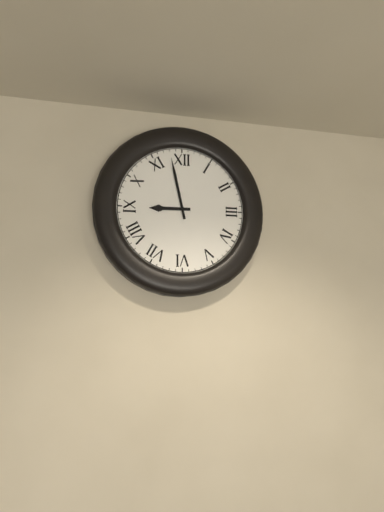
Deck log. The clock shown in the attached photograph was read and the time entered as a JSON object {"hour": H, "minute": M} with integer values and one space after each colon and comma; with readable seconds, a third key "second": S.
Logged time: {"hour": 8, "minute": 58}
